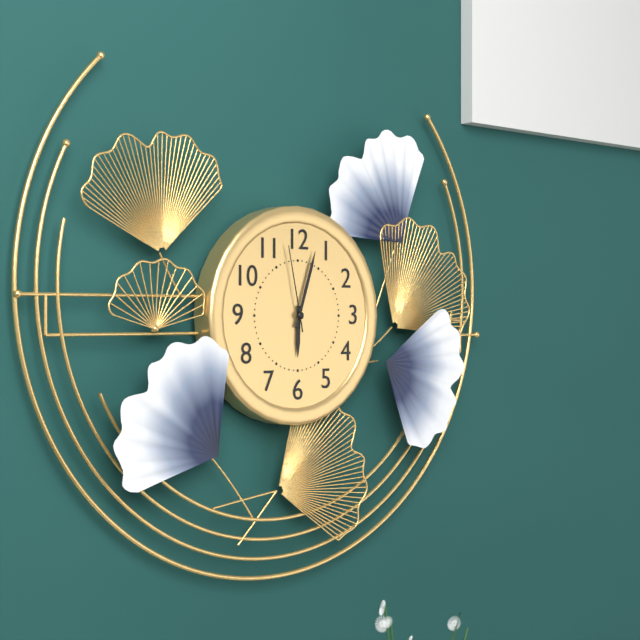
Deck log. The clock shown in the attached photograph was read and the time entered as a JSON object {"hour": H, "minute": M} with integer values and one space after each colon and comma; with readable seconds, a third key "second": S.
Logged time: {"hour": 6, "minute": 3, "second": 58}
